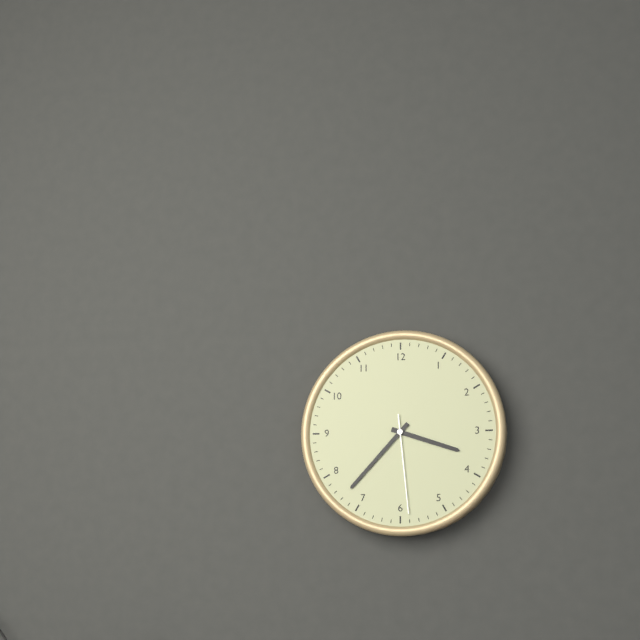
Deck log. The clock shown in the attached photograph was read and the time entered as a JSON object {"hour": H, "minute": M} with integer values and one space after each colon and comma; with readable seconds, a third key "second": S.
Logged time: {"hour": 3, "minute": 37, "second": 29}
